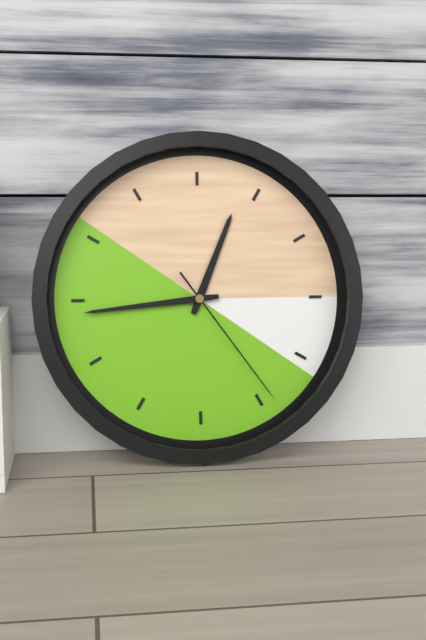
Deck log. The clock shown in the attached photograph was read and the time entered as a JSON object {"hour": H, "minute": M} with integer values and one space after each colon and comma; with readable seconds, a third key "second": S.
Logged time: {"hour": 12, "minute": 44, "second": 24}
